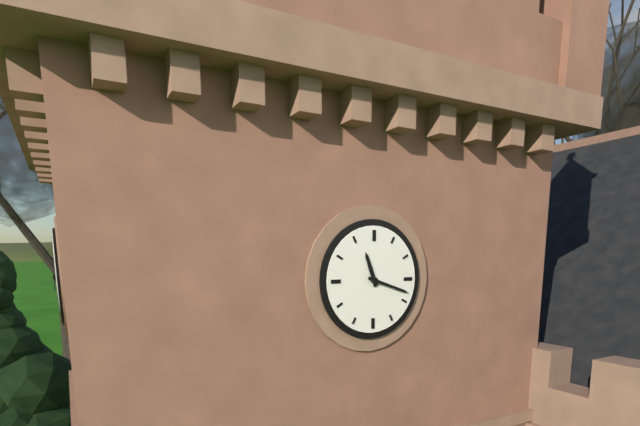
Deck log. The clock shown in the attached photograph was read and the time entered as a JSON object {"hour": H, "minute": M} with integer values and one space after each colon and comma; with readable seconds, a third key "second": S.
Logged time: {"hour": 11, "minute": 18}
